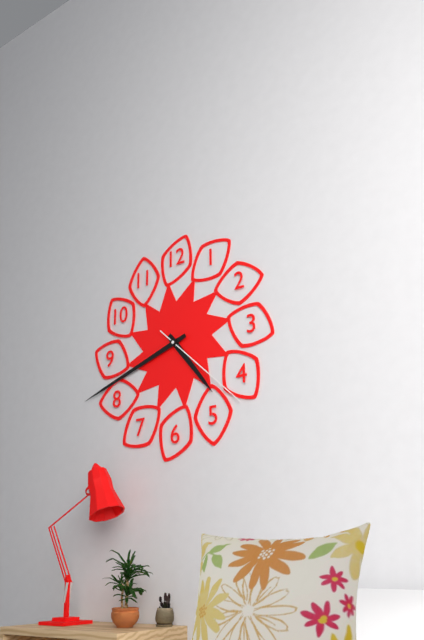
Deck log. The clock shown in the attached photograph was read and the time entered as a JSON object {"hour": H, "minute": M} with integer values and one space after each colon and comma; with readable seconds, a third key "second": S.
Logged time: {"hour": 4, "minute": 42, "second": 22}
